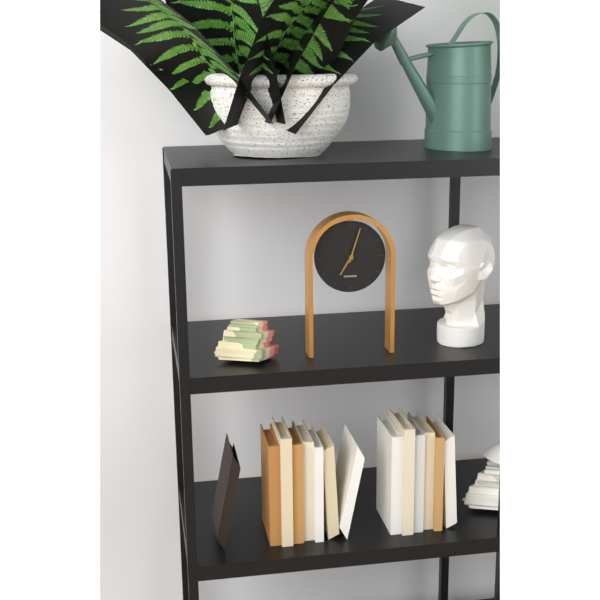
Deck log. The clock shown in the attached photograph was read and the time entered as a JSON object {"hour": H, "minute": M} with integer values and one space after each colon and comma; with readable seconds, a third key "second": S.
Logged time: {"hour": 7, "minute": 3}
